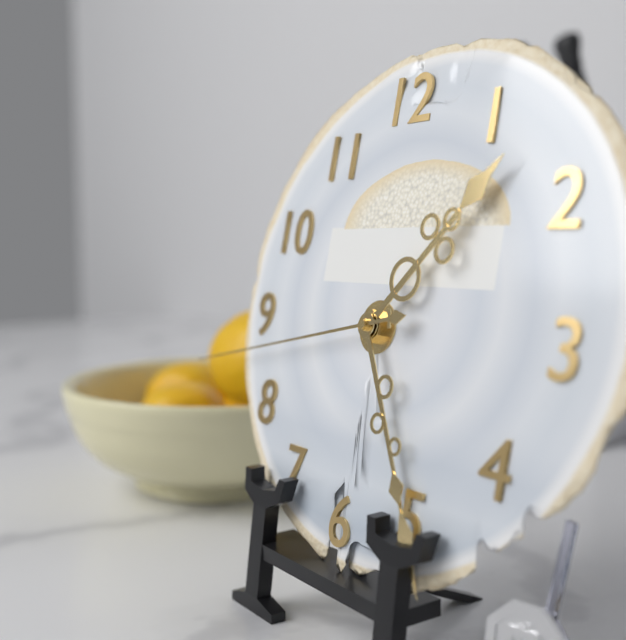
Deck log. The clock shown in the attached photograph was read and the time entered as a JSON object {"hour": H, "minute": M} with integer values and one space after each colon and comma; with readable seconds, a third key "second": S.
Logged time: {"hour": 1, "minute": 25, "second": 43}
